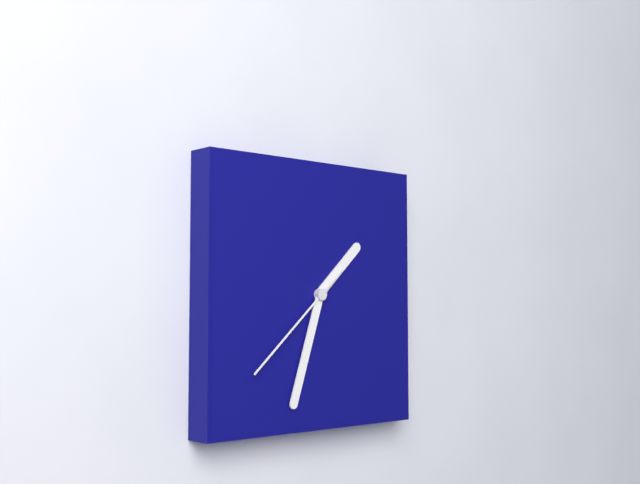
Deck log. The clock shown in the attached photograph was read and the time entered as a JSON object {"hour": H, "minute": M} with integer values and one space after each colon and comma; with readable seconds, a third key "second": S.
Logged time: {"hour": 1, "minute": 33, "second": 38}
